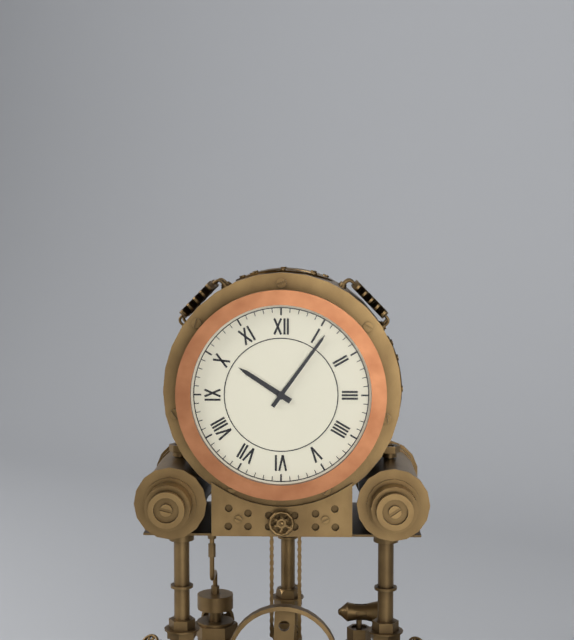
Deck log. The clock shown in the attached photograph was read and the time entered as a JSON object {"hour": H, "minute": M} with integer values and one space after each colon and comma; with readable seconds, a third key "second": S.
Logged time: {"hour": 10, "minute": 6}
